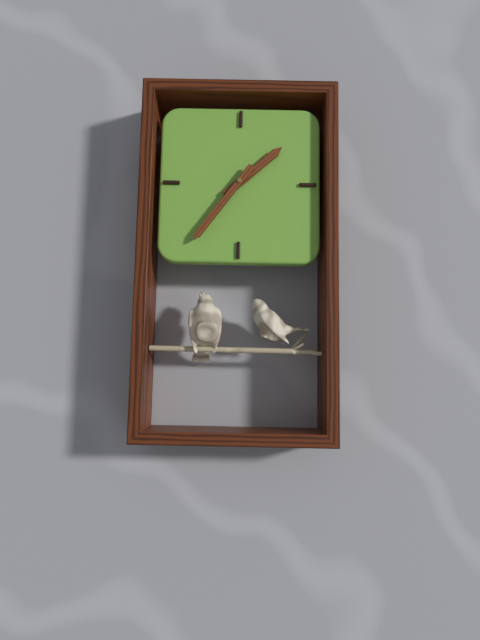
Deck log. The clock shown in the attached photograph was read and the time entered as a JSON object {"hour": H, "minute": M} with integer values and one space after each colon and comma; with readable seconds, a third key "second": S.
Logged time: {"hour": 1, "minute": 36}
